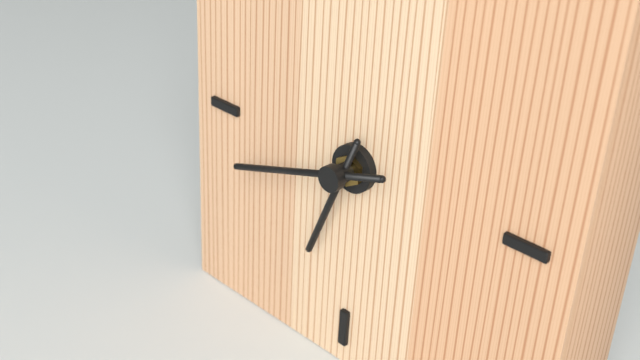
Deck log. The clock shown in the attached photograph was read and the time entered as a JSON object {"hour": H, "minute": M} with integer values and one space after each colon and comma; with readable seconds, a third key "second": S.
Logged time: {"hour": 6, "minute": 42}
